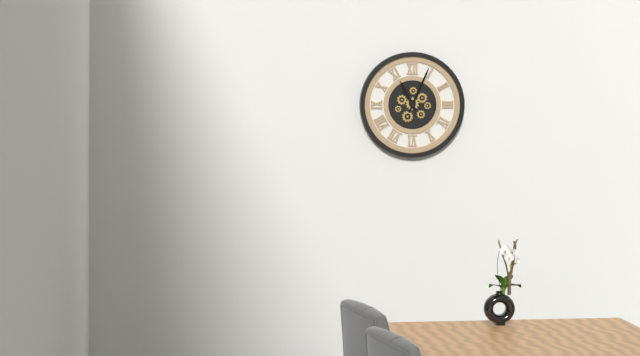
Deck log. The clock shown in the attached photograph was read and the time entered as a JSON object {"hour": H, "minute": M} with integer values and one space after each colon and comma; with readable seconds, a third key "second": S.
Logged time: {"hour": 11, "minute": 4}
